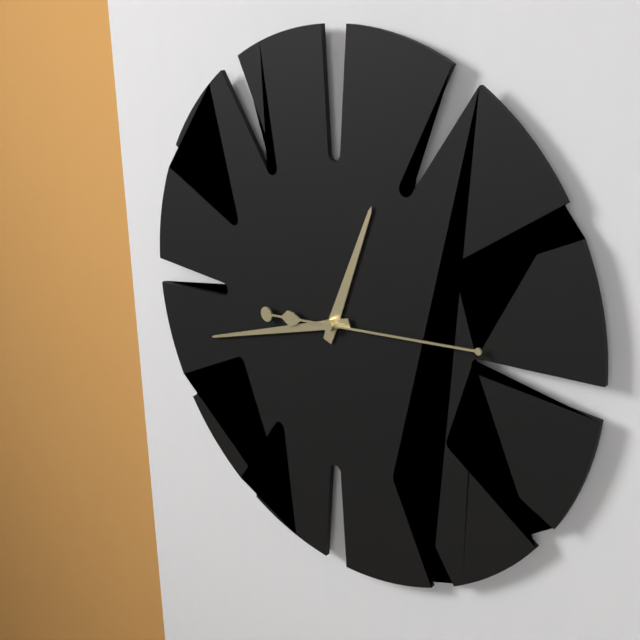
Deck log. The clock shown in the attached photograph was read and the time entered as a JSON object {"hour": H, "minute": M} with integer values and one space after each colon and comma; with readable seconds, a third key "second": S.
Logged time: {"hour": 12, "minute": 42, "second": 14}
